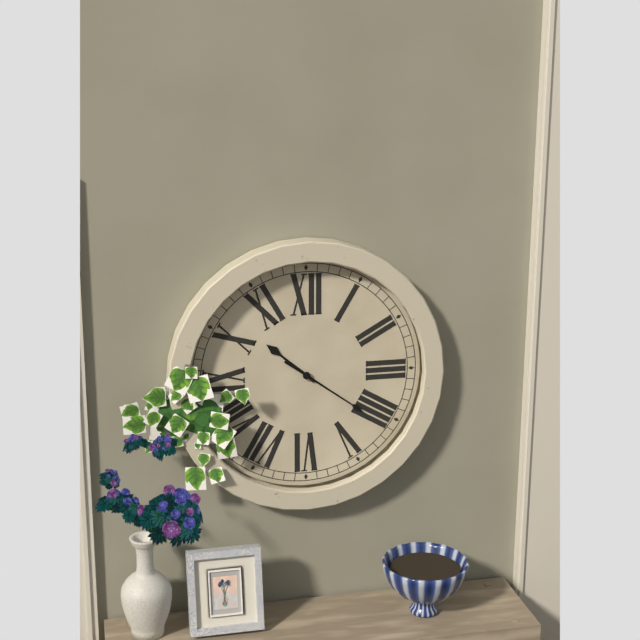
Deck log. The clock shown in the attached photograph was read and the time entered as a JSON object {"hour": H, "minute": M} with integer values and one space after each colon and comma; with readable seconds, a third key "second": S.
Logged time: {"hour": 10, "minute": 21}
